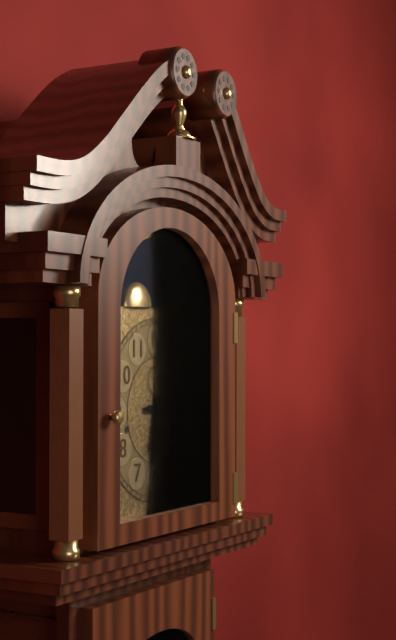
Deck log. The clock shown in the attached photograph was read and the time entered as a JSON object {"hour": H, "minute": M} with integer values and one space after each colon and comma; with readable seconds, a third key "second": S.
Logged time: {"hour": 6, "minute": 16}
